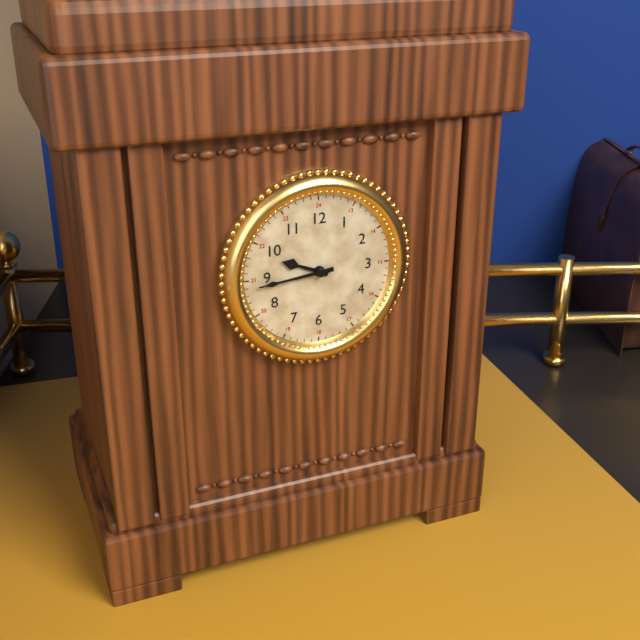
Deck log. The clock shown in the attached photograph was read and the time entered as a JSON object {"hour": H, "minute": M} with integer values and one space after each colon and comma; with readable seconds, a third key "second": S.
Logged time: {"hour": 9, "minute": 44}
